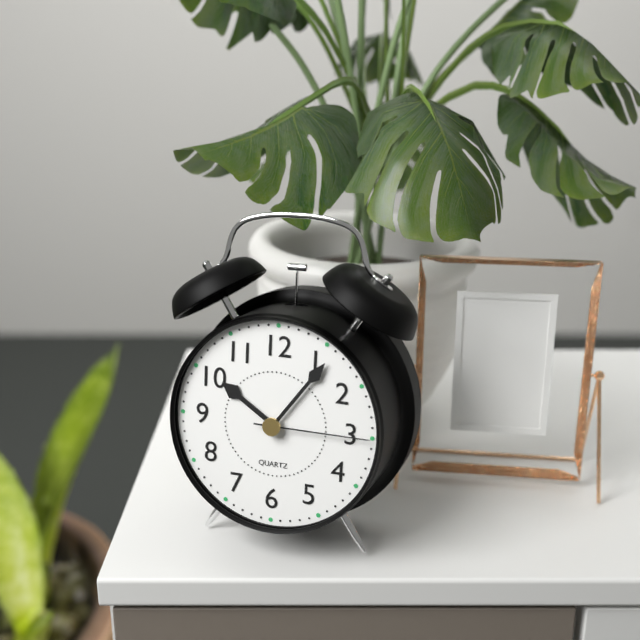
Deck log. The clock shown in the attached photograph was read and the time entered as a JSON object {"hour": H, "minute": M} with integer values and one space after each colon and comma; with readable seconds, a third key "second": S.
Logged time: {"hour": 10, "minute": 6, "second": 15}
